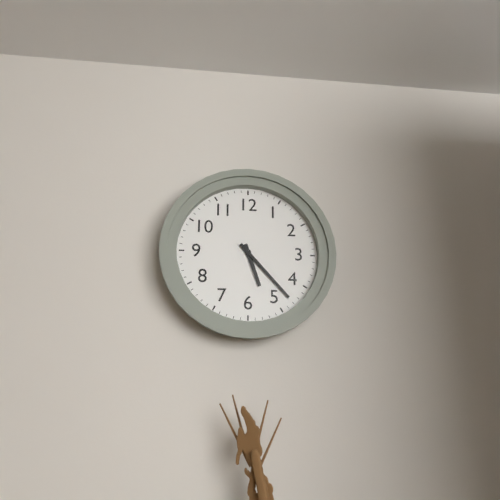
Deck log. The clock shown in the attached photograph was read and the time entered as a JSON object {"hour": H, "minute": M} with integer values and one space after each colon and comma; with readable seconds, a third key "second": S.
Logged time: {"hour": 5, "minute": 23}
